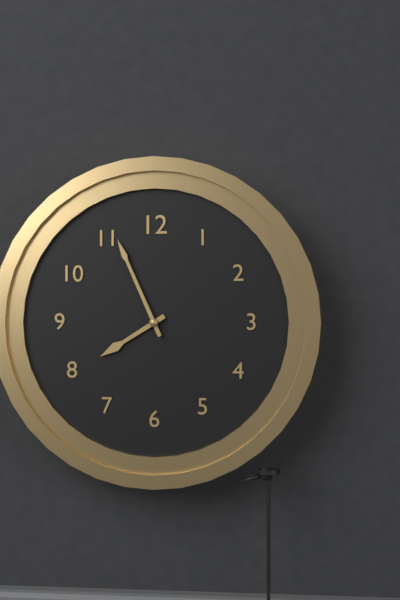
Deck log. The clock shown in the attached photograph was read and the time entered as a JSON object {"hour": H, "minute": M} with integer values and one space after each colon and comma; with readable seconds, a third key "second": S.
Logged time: {"hour": 7, "minute": 56}
